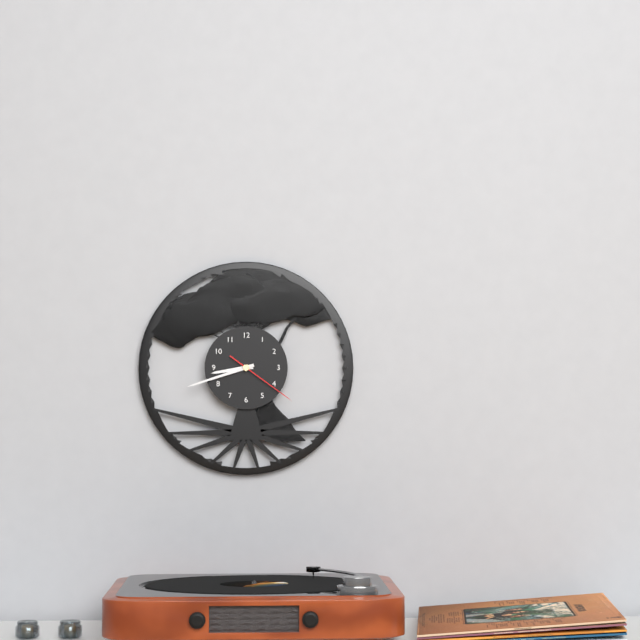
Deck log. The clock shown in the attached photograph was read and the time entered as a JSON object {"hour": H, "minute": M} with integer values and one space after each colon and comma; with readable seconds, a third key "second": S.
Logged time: {"hour": 8, "minute": 42, "second": 21}
